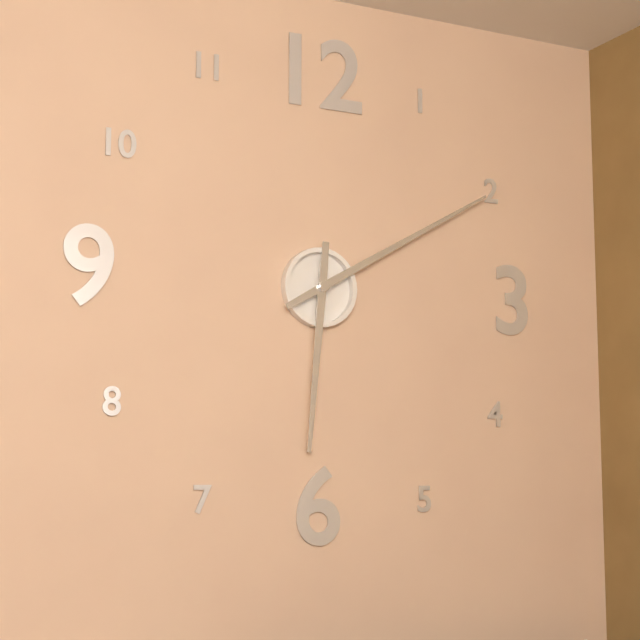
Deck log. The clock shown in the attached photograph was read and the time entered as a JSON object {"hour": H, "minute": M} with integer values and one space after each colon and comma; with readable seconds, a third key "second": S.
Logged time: {"hour": 6, "minute": 10}
